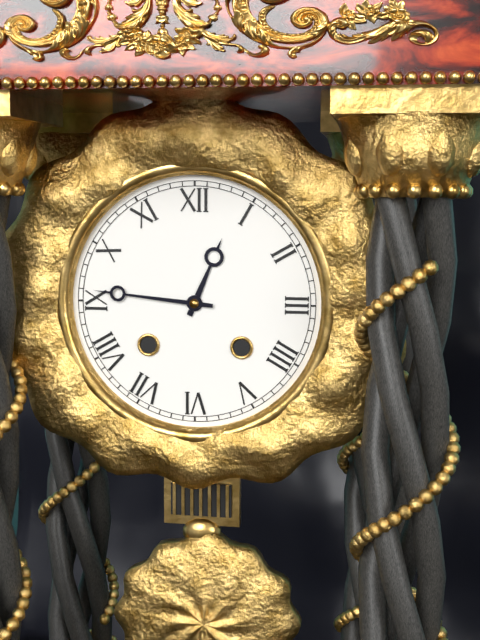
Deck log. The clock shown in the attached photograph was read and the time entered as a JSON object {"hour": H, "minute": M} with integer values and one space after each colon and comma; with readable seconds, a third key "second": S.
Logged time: {"hour": 12, "minute": 46}
